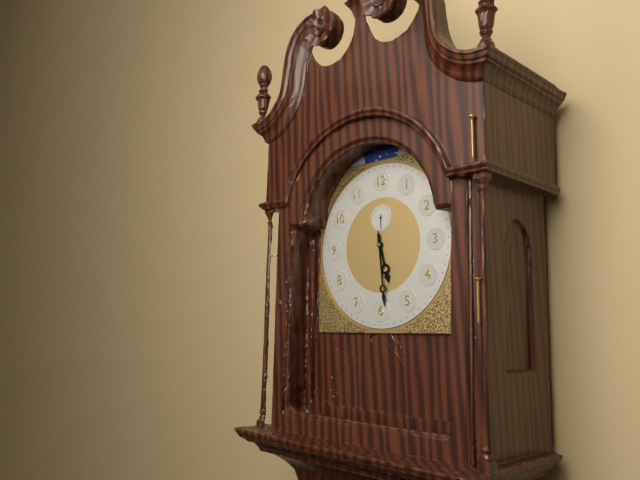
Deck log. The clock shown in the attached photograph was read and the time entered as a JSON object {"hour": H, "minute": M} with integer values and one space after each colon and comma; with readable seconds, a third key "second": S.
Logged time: {"hour": 5, "minute": 29}
